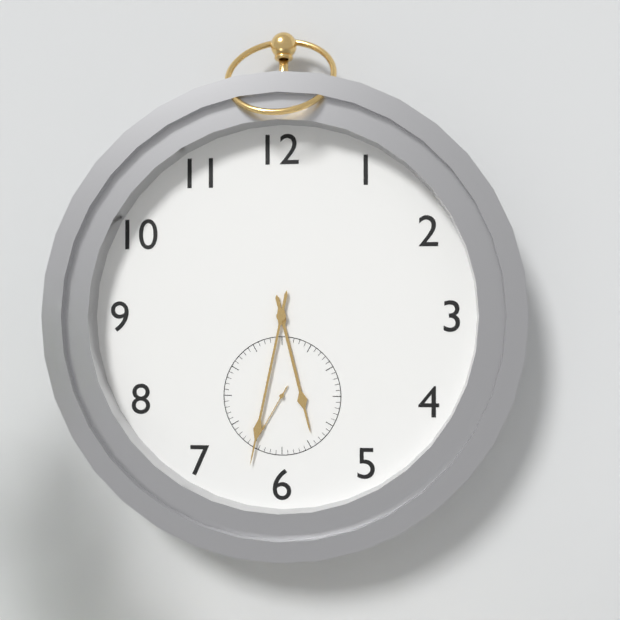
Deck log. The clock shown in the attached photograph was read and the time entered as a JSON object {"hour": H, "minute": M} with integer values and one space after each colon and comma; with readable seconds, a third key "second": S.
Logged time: {"hour": 5, "minute": 32, "second": 35}
